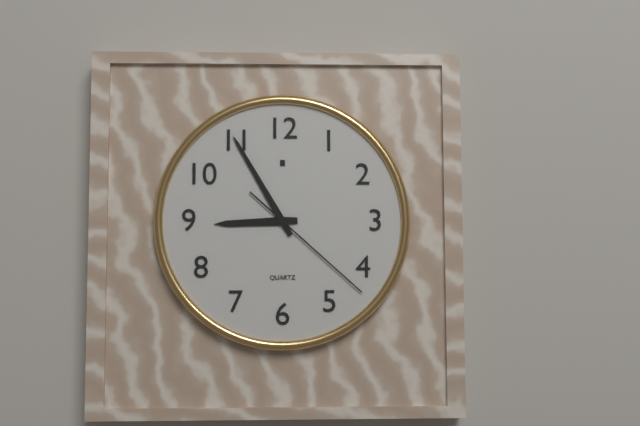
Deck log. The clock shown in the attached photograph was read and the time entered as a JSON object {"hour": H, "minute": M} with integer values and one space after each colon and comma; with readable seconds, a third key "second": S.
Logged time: {"hour": 8, "minute": 55, "second": 22}
